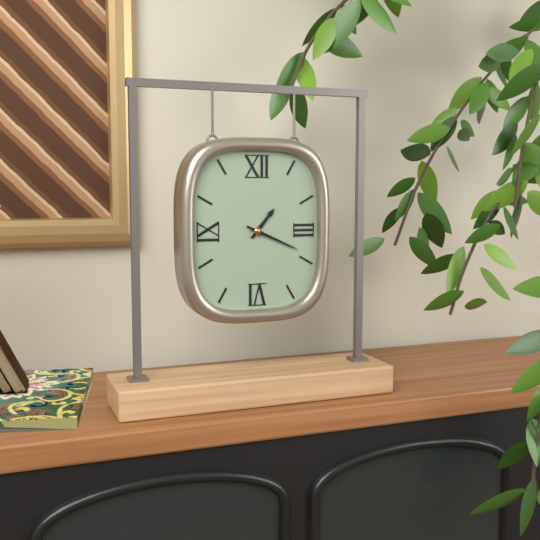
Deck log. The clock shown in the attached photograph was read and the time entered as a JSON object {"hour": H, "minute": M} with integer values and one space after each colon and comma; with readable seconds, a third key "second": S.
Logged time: {"hour": 1, "minute": 19}
